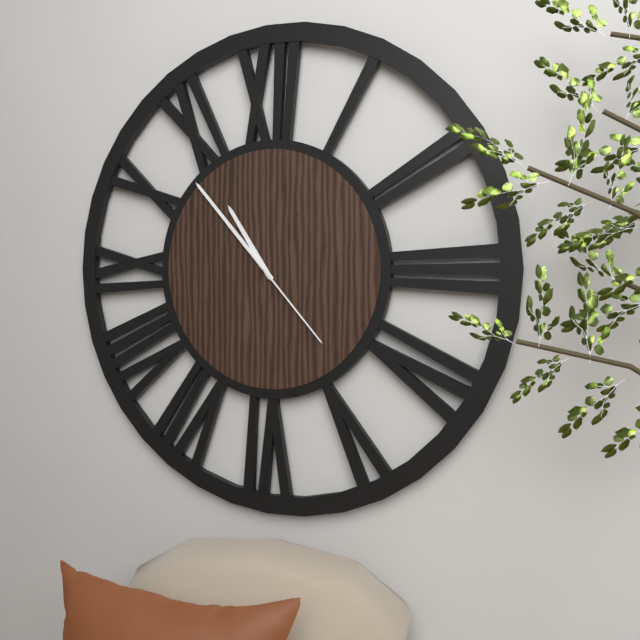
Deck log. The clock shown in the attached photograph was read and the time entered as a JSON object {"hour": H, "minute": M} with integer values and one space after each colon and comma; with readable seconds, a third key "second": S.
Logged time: {"hour": 10, "minute": 53, "second": 23}
